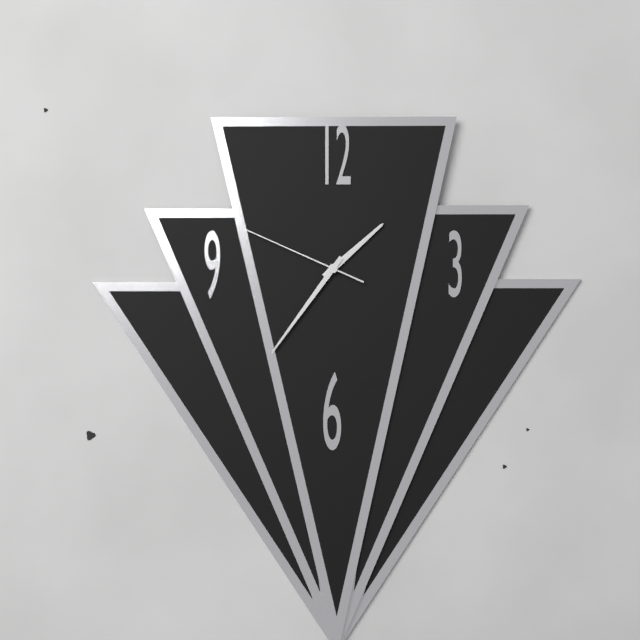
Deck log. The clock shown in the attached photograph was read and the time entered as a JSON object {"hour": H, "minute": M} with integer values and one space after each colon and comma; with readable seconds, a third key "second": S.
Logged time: {"hour": 1, "minute": 36, "second": 49}
